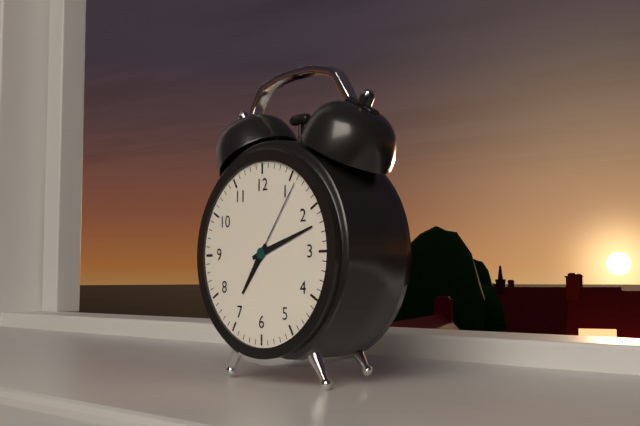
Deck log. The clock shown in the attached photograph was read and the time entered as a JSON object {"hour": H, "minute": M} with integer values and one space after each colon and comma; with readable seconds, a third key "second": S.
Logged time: {"hour": 7, "minute": 12, "second": 6}
